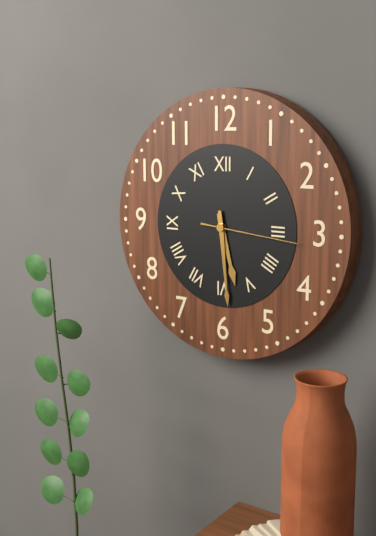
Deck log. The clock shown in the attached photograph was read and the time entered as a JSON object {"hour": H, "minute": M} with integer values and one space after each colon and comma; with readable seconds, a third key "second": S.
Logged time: {"hour": 5, "minute": 29, "second": 16}
